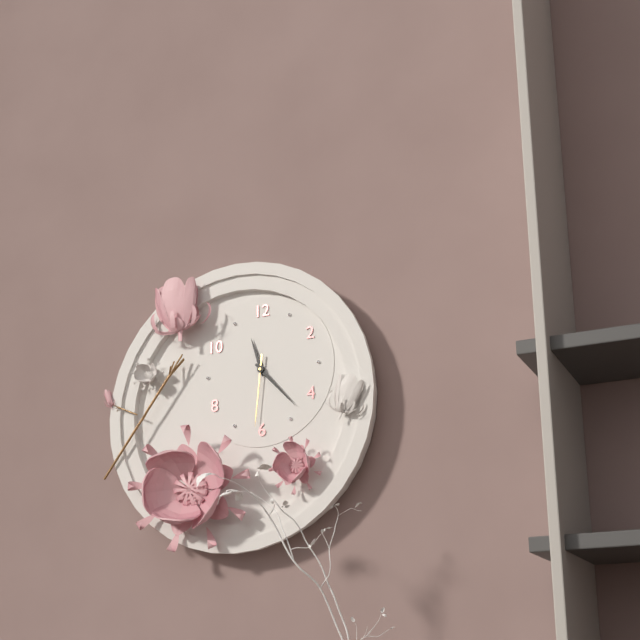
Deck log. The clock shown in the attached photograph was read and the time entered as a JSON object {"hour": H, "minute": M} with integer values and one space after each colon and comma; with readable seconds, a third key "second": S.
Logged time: {"hour": 11, "minute": 23, "second": 31}
